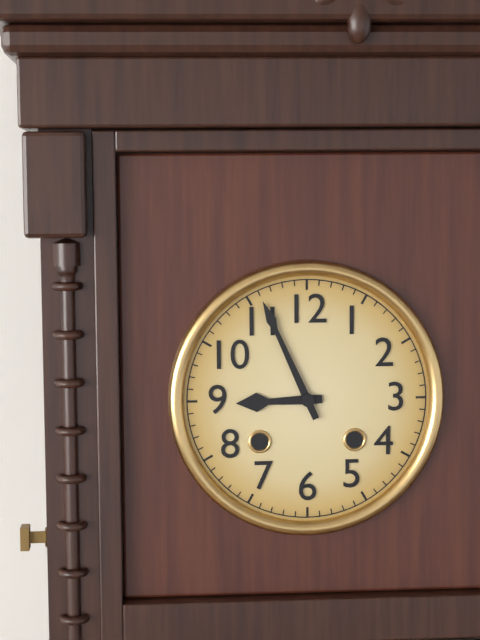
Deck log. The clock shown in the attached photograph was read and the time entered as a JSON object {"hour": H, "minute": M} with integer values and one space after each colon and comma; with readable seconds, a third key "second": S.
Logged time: {"hour": 8, "minute": 56}
